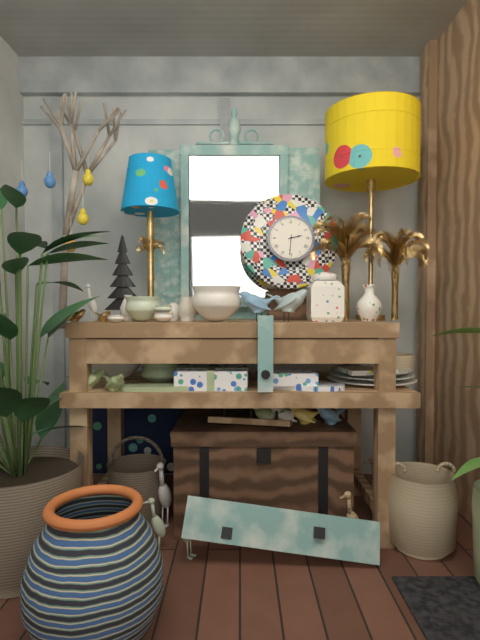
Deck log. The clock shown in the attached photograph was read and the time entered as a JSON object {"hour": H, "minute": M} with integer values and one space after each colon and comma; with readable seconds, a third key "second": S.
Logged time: {"hour": 2, "minute": 31}
